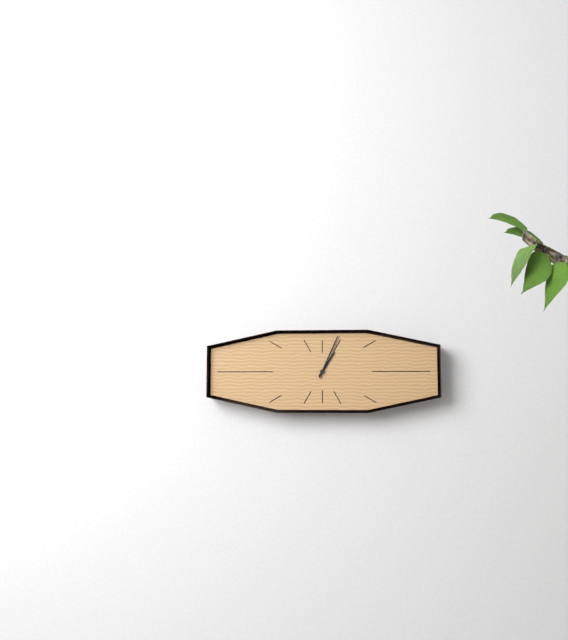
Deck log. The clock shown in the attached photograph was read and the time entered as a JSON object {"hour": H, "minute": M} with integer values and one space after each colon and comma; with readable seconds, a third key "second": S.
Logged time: {"hour": 1, "minute": 4}
